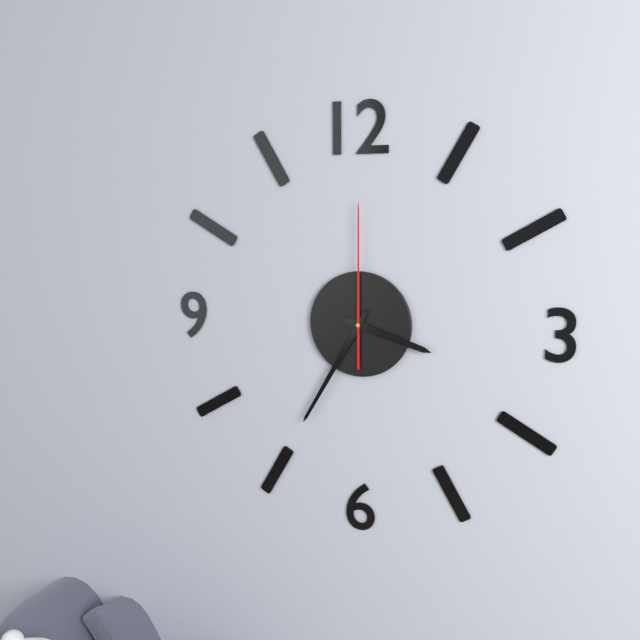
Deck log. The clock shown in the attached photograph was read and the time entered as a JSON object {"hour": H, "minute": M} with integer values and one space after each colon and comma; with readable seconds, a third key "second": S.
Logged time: {"hour": 3, "minute": 35, "second": 0}
